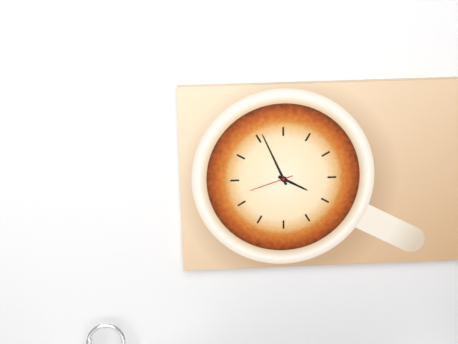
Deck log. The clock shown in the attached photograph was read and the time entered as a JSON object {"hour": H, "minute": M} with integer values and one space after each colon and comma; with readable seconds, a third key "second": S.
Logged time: {"hour": 3, "minute": 56}
